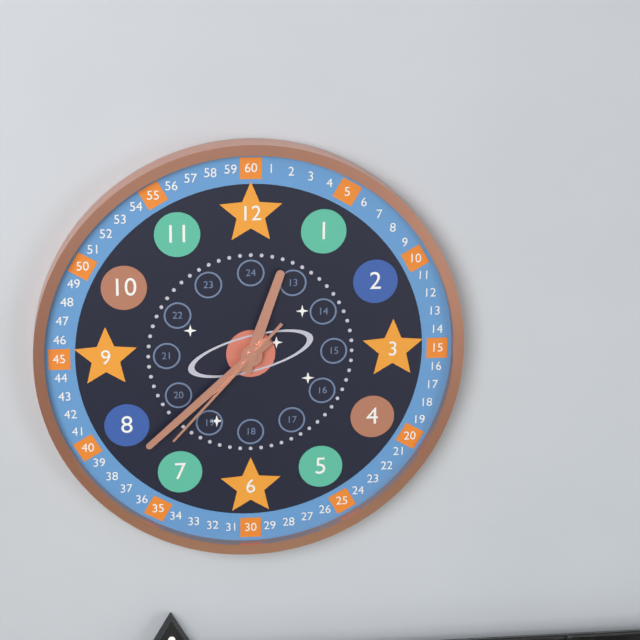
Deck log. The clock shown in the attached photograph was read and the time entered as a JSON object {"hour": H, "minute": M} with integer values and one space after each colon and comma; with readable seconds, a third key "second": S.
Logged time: {"hour": 12, "minute": 38, "second": 37}
